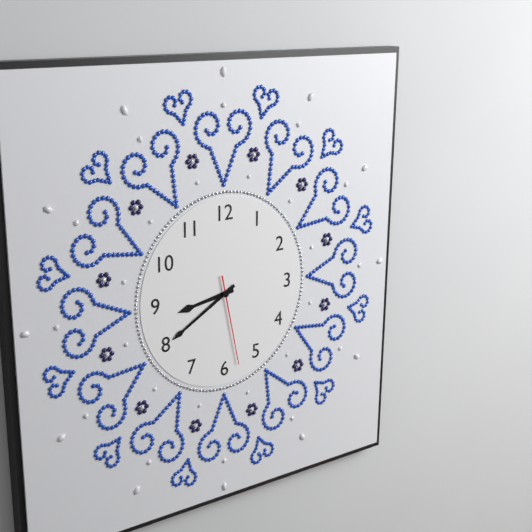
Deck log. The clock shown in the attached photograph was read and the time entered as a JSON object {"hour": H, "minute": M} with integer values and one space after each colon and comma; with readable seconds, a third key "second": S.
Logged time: {"hour": 8, "minute": 40, "second": 28}
